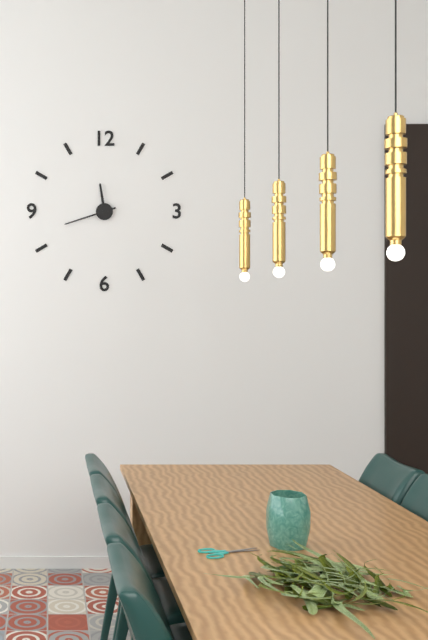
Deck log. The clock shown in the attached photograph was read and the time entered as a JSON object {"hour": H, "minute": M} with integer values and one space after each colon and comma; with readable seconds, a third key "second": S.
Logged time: {"hour": 11, "minute": 42}
